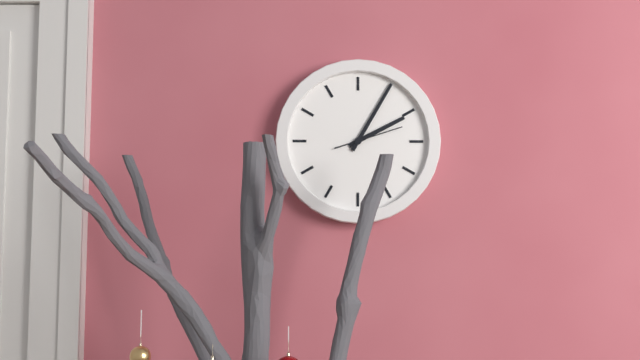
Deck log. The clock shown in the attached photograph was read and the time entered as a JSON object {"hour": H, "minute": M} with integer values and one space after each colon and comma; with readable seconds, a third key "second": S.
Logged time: {"hour": 2, "minute": 5, "second": 12}
